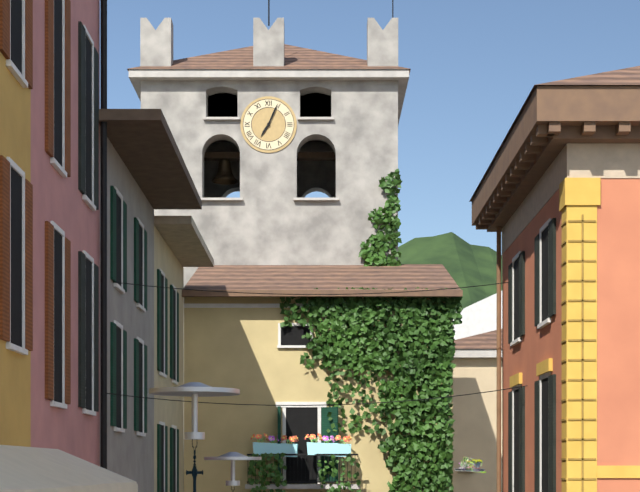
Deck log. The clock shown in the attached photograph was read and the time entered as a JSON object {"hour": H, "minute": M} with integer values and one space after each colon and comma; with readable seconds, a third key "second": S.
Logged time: {"hour": 7, "minute": 4}
